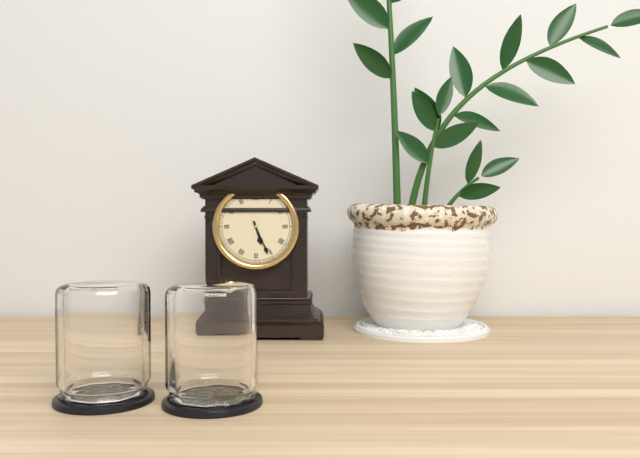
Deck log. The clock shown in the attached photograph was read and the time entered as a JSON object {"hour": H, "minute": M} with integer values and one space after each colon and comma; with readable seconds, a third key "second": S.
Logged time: {"hour": 5, "minute": 26}
